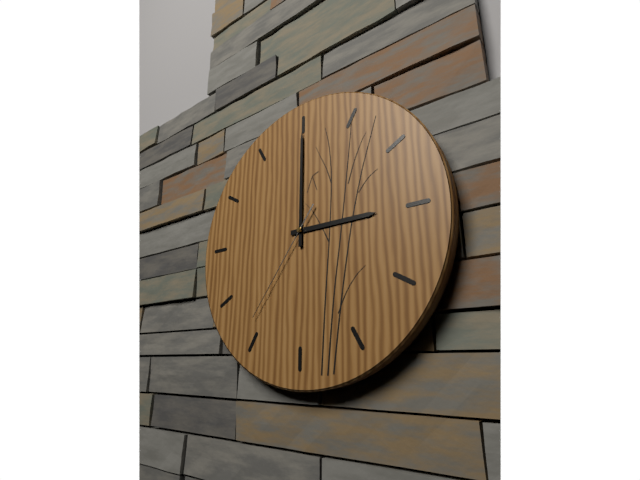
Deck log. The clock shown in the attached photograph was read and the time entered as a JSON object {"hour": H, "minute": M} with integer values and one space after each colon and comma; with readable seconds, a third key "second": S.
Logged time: {"hour": 3, "minute": 0, "second": 36}
